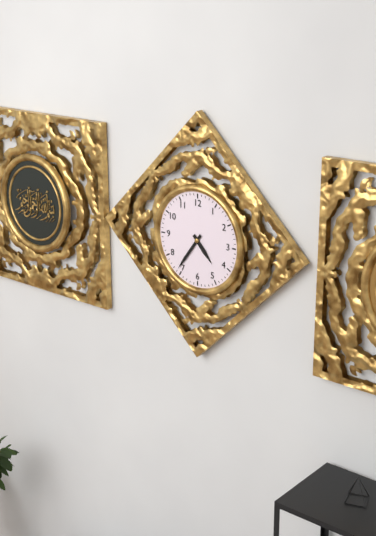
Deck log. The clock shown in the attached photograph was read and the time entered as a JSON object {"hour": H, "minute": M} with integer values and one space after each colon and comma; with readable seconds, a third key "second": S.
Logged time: {"hour": 4, "minute": 36}
